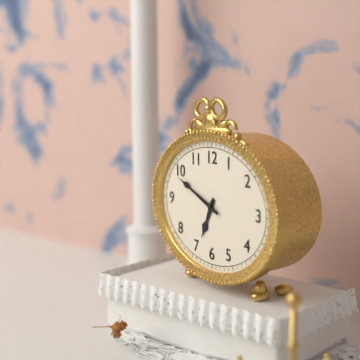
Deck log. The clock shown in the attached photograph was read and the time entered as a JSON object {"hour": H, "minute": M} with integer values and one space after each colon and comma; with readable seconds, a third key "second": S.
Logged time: {"hour": 6, "minute": 49}
